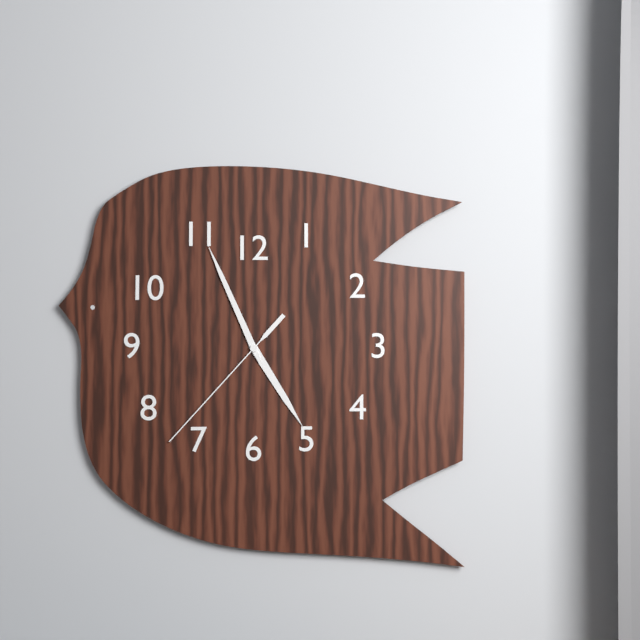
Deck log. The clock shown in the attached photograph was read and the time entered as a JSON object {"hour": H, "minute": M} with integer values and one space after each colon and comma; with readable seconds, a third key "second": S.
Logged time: {"hour": 4, "minute": 56, "second": 37}
